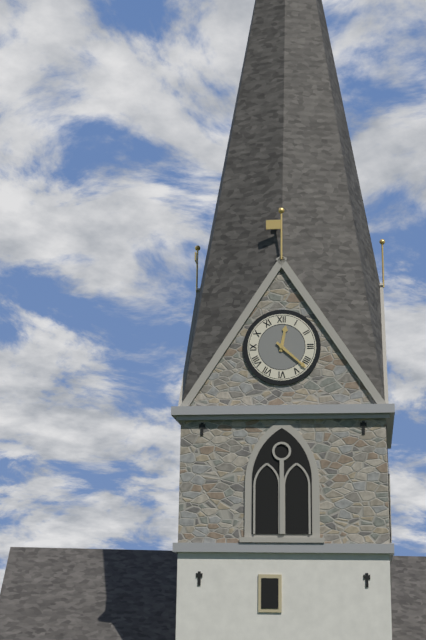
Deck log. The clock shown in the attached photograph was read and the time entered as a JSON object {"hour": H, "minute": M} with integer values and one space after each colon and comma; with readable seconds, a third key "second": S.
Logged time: {"hour": 12, "minute": 22}
